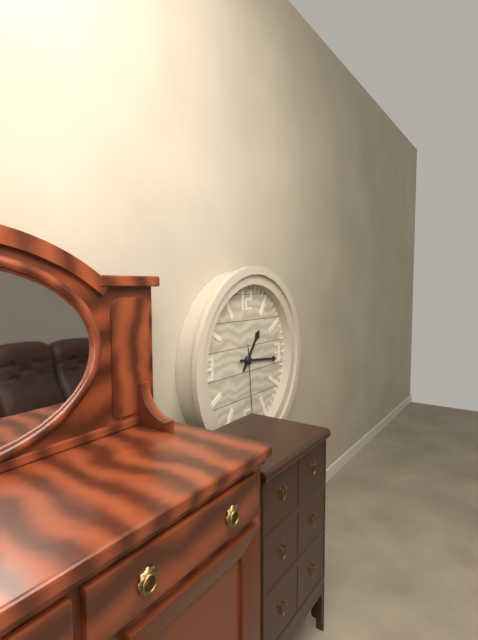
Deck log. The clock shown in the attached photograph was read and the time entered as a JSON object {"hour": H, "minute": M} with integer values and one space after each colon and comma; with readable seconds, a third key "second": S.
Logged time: {"hour": 1, "minute": 16, "second": 29}
